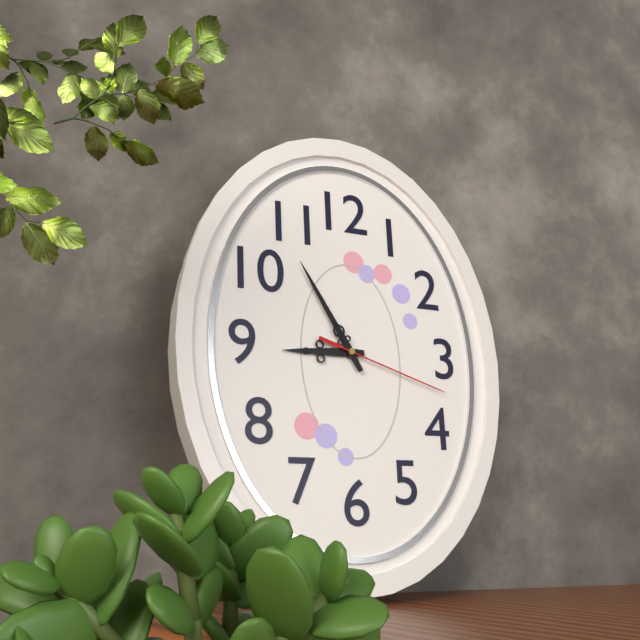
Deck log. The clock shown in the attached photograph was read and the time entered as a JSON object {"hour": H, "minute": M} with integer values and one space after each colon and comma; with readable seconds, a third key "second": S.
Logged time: {"hour": 8, "minute": 55, "second": 18}
